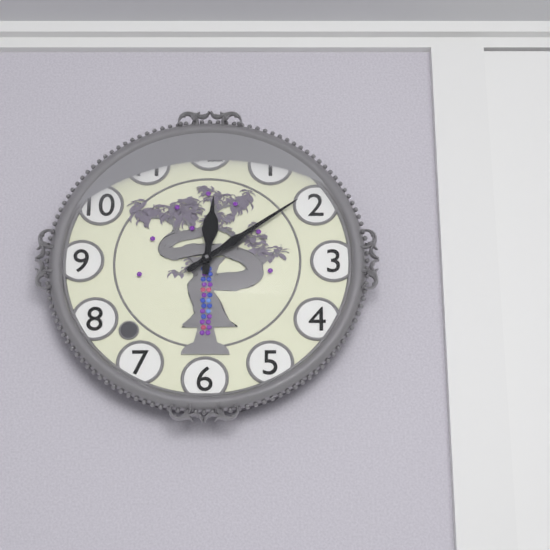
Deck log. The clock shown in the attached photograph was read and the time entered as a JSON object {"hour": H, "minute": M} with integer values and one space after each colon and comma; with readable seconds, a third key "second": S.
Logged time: {"hour": 12, "minute": 9}
